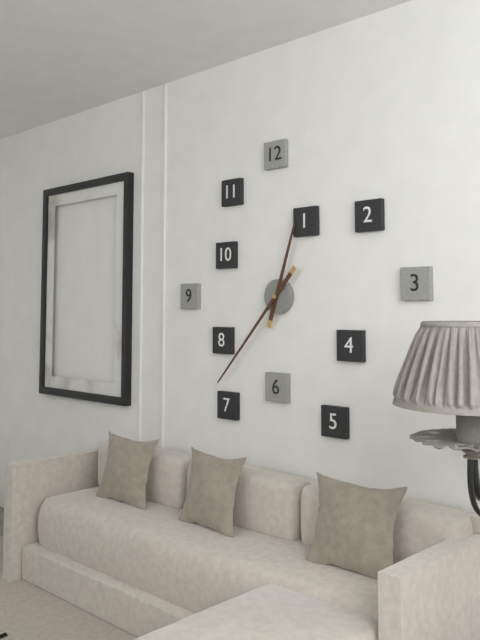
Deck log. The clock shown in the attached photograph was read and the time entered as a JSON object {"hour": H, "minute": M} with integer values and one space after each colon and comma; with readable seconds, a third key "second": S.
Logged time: {"hour": 12, "minute": 37}
